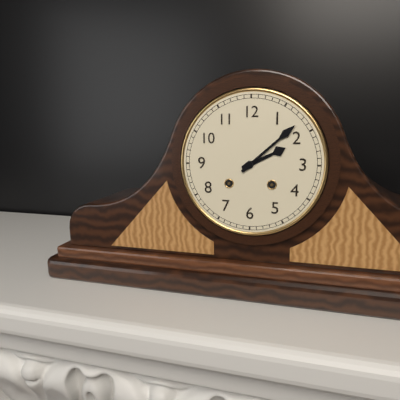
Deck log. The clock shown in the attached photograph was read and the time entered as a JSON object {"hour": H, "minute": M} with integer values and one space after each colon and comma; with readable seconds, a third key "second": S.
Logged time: {"hour": 2, "minute": 8}
